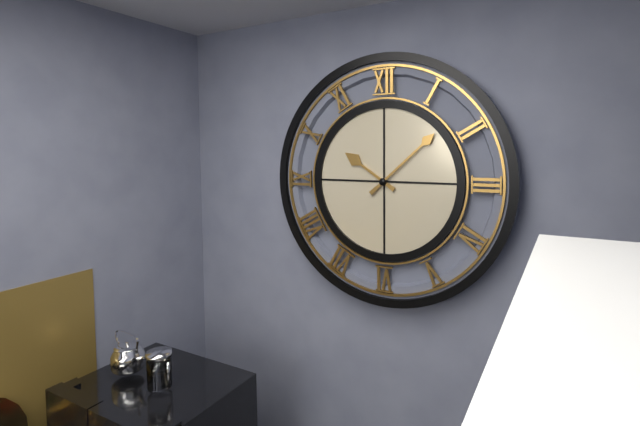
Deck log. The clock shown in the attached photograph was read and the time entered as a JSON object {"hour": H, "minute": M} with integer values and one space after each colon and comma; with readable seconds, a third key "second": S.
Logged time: {"hour": 10, "minute": 8}
